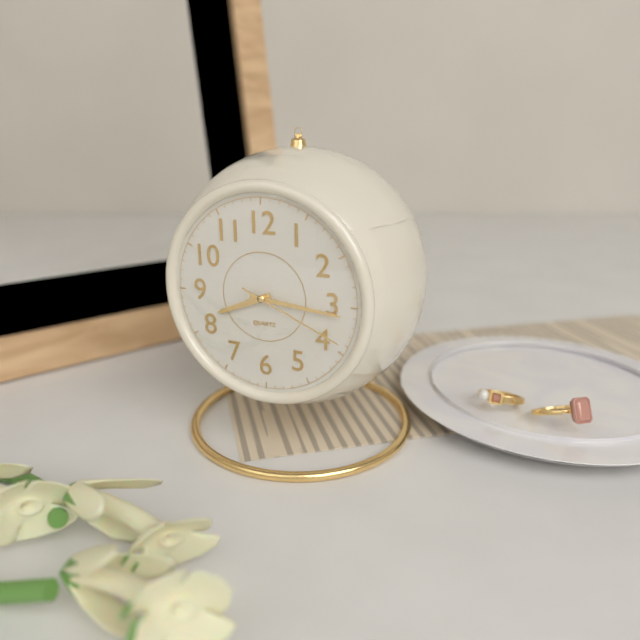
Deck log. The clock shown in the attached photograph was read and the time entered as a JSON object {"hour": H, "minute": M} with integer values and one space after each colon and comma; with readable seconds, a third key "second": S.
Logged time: {"hour": 8, "minute": 16, "second": 19}
